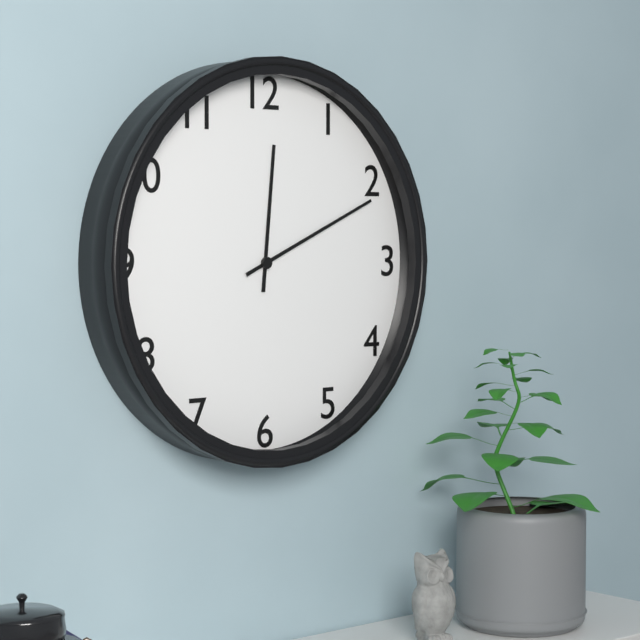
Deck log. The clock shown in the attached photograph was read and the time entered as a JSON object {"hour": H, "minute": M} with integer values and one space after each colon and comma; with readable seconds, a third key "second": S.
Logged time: {"hour": 12, "minute": 11}
